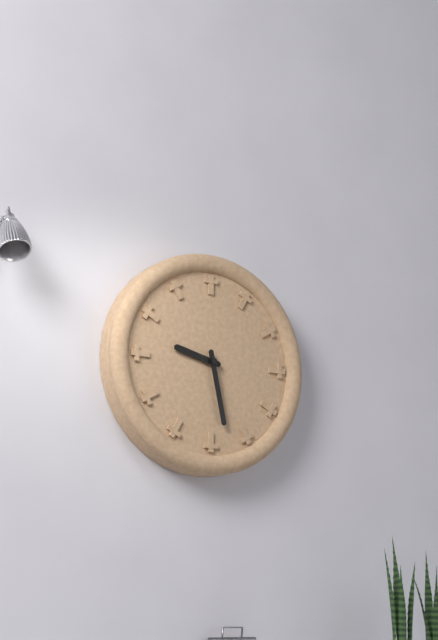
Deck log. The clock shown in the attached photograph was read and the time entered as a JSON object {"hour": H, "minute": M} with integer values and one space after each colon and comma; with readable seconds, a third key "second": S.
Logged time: {"hour": 9, "minute": 28}
